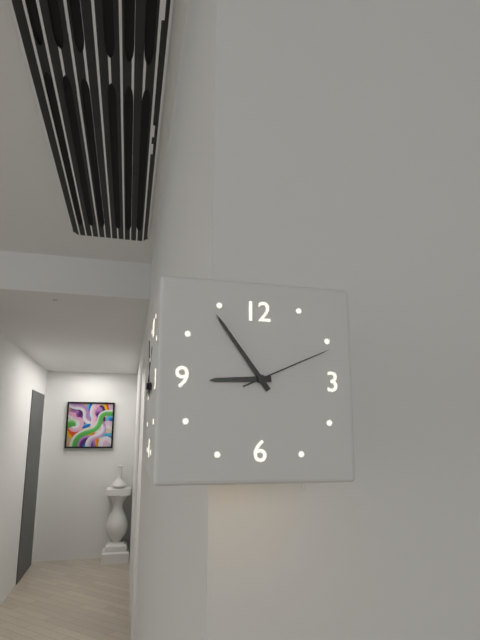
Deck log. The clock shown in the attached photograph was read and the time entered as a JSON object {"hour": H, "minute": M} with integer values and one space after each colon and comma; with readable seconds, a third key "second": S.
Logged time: {"hour": 8, "minute": 54, "second": 11}
